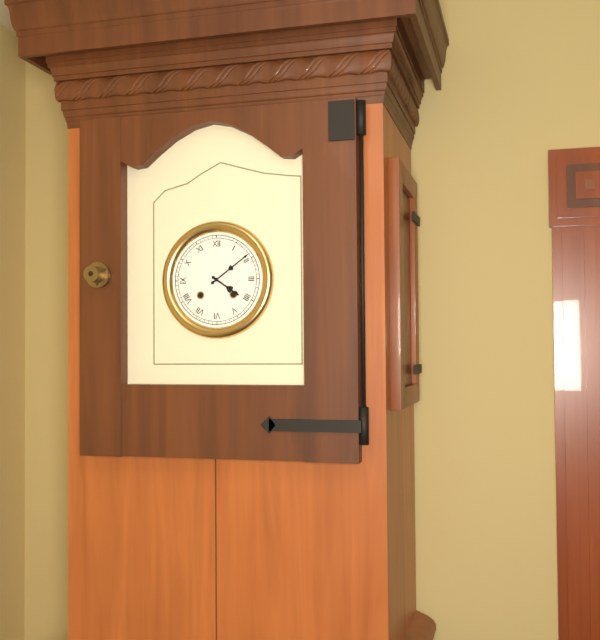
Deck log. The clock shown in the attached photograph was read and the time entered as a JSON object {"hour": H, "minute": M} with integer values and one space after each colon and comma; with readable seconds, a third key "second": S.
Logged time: {"hour": 4, "minute": 9}
